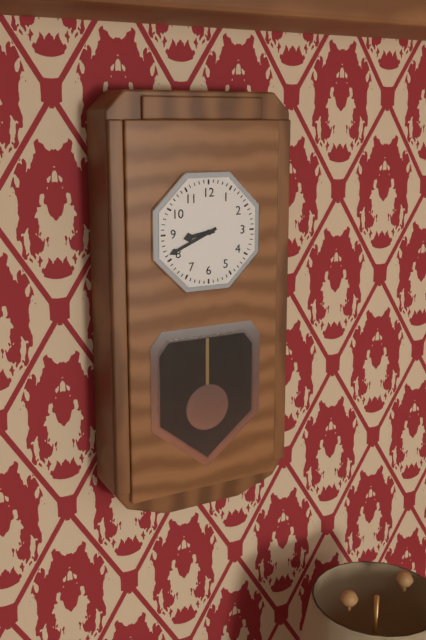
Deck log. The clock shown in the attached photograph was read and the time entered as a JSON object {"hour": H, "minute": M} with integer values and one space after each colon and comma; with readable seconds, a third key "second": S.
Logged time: {"hour": 8, "minute": 41}
